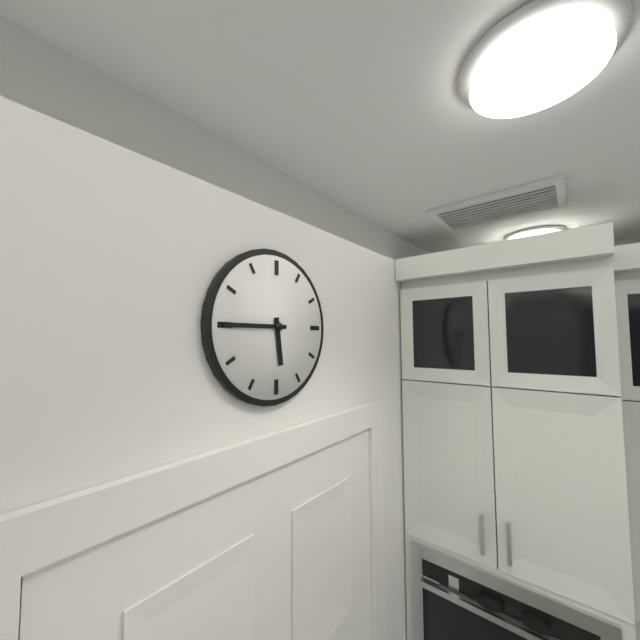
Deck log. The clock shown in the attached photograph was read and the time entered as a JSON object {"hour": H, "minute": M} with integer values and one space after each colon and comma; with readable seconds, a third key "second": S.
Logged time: {"hour": 5, "minute": 45}
